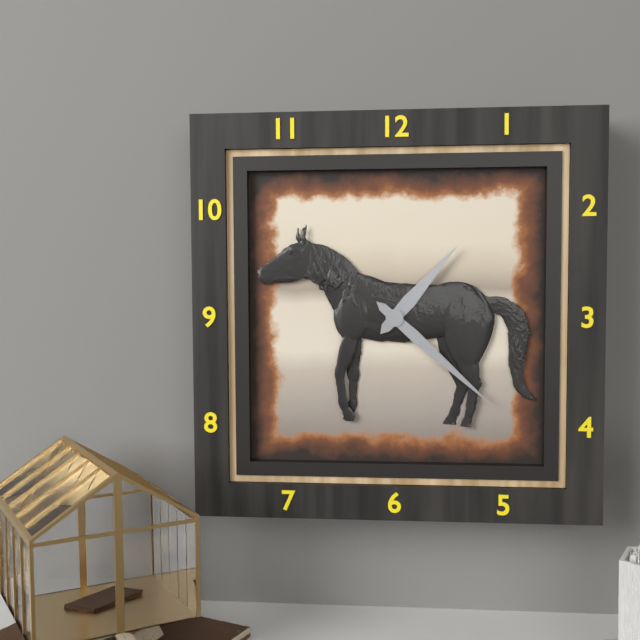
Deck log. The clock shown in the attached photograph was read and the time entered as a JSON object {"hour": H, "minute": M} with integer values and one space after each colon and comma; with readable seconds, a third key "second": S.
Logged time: {"hour": 1, "minute": 22}
